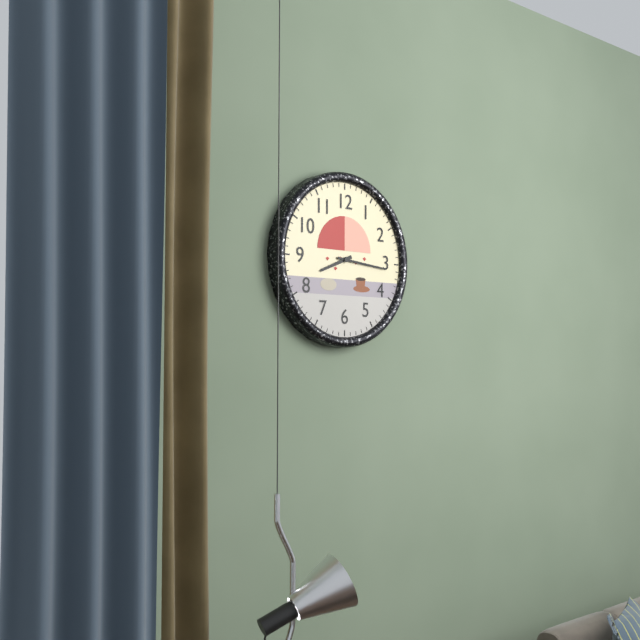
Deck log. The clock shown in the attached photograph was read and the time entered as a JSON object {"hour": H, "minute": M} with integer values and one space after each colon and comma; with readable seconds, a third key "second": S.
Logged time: {"hour": 8, "minute": 16}
